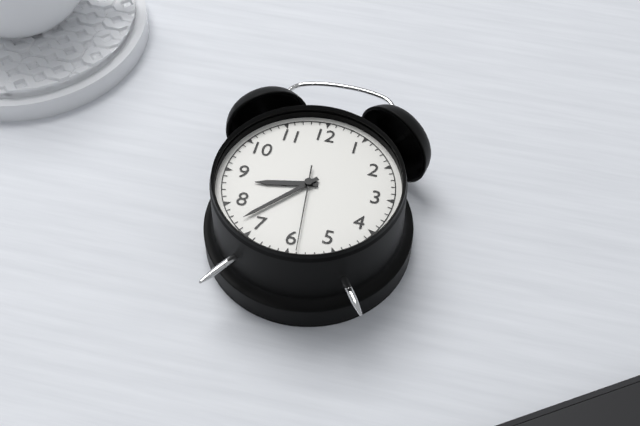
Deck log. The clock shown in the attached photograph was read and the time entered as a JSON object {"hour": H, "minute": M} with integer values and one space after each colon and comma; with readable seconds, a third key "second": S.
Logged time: {"hour": 8, "minute": 37, "second": 29}
